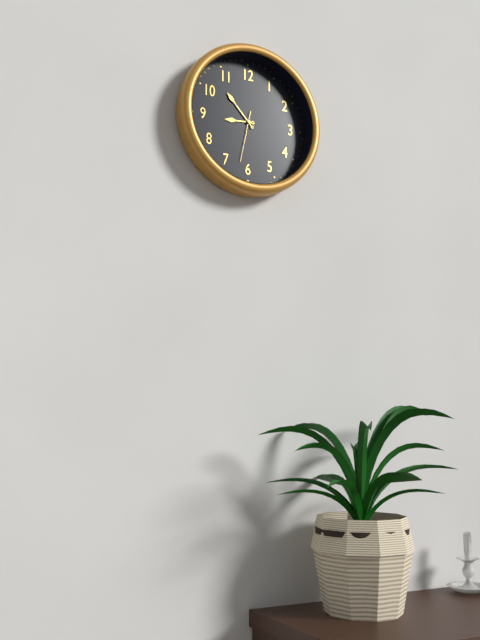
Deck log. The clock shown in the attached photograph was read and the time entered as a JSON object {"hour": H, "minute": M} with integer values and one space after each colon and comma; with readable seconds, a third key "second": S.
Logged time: {"hour": 8, "minute": 53}
